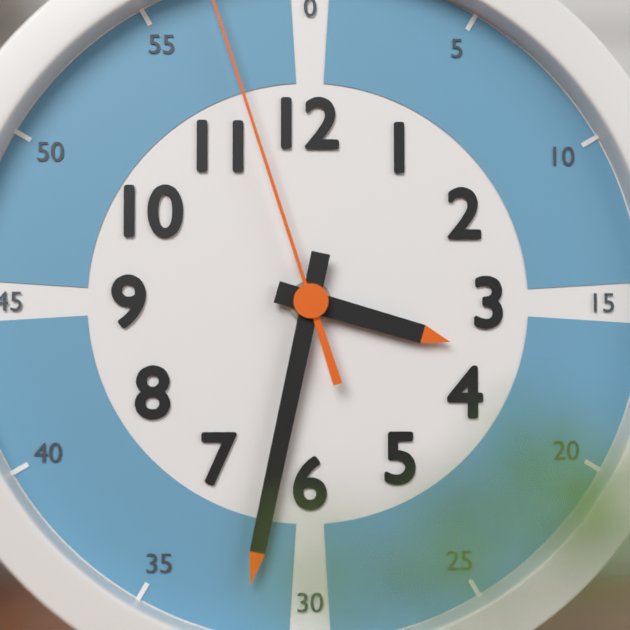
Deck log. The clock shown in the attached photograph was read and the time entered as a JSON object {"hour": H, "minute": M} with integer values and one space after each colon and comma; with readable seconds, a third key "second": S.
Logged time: {"hour": 3, "minute": 32}
